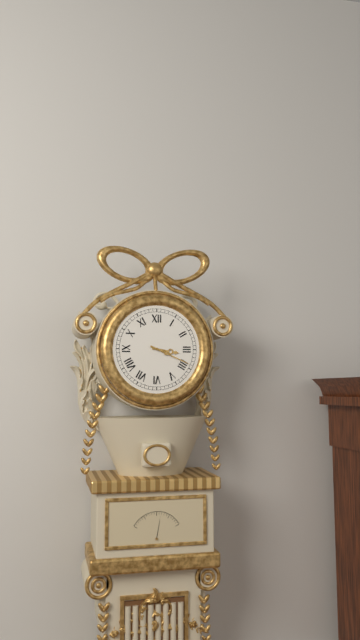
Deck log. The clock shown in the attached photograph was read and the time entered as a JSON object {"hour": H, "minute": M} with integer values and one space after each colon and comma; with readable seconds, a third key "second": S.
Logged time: {"hour": 3, "minute": 19}
